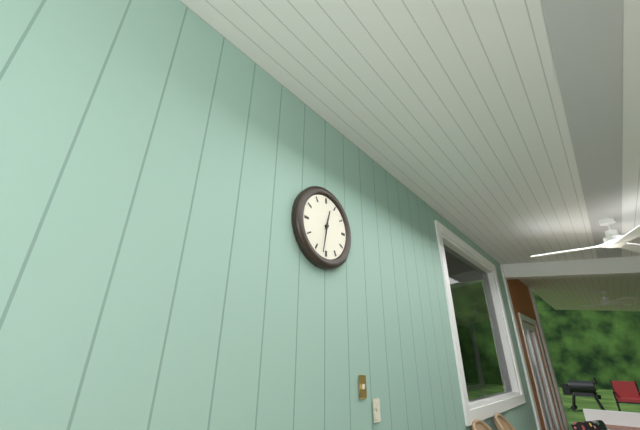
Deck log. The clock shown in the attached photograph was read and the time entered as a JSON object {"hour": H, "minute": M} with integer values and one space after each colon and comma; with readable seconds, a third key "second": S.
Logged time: {"hour": 12, "minute": 32}
